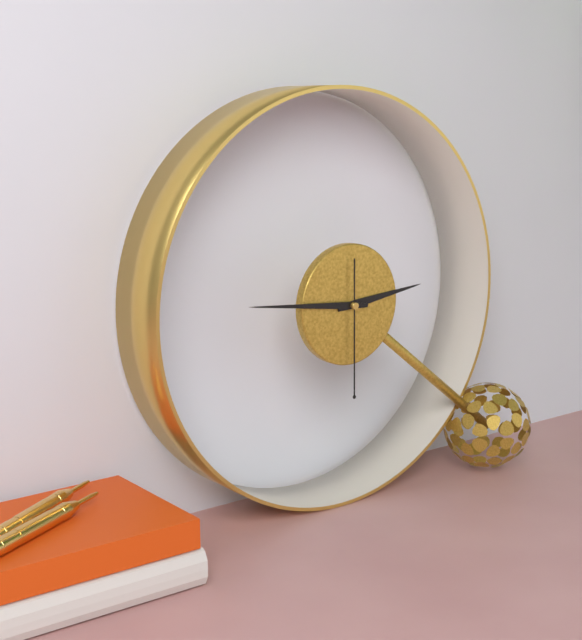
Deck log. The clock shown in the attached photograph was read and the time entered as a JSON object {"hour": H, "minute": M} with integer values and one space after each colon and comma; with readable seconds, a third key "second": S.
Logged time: {"hour": 2, "minute": 46, "second": 30}
